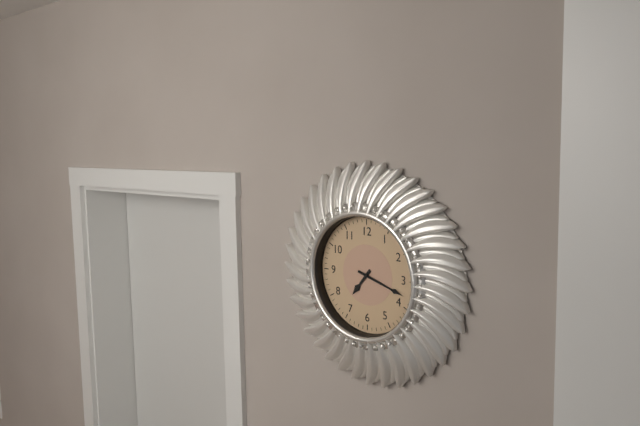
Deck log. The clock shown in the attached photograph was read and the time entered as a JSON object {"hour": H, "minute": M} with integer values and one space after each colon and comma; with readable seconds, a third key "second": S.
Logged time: {"hour": 7, "minute": 18}
